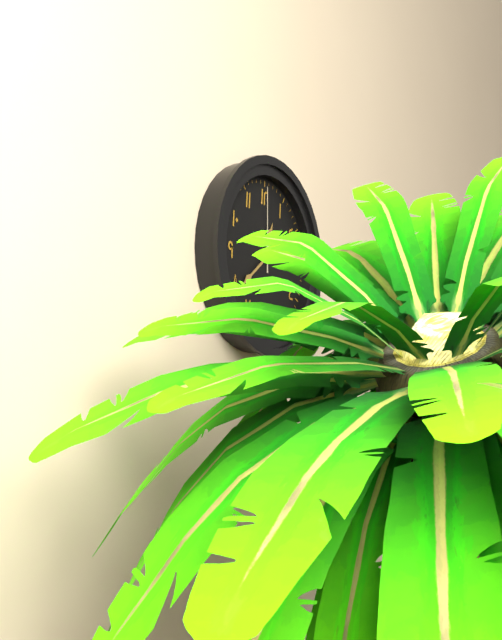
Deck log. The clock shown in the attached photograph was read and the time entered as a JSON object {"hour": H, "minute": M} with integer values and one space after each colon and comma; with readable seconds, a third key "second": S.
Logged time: {"hour": 12, "minute": 39, "second": 0}
